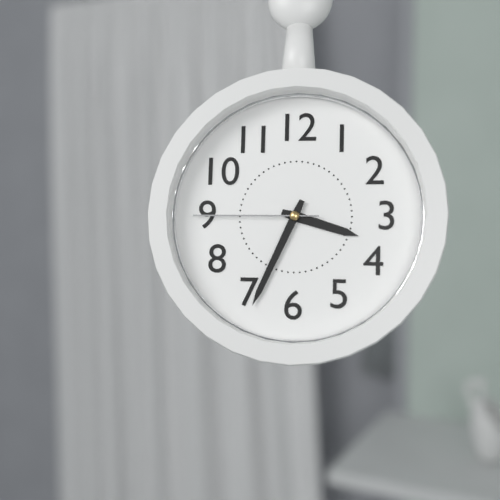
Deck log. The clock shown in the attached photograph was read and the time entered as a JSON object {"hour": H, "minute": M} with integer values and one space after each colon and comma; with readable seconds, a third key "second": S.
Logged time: {"hour": 3, "minute": 34, "second": 45}
